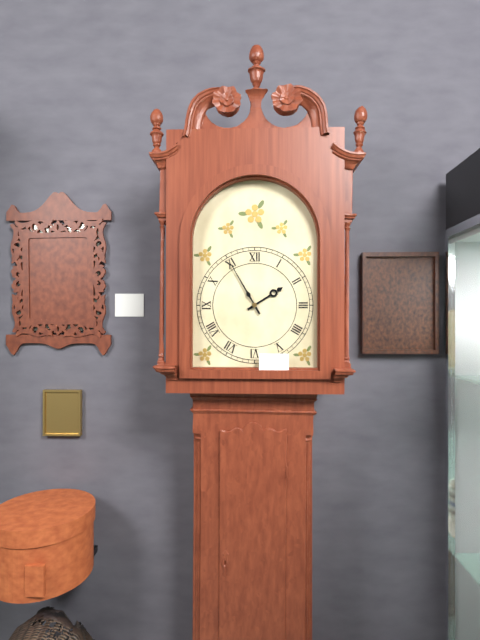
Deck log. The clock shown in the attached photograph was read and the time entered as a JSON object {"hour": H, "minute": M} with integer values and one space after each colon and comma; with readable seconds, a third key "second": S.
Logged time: {"hour": 1, "minute": 55}
